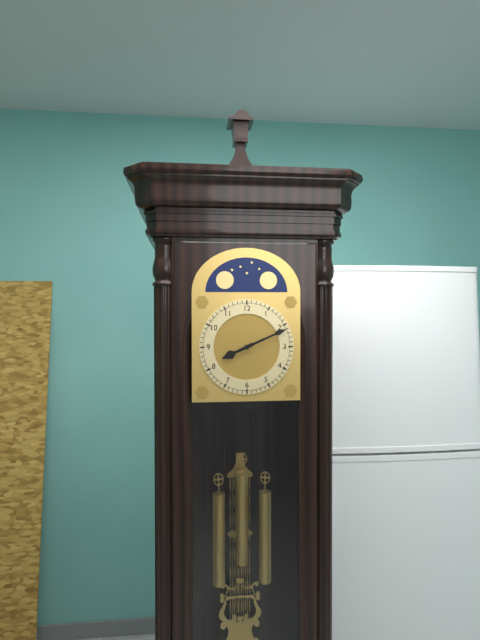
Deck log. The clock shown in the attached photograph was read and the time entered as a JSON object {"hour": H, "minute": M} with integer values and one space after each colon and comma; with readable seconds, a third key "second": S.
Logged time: {"hour": 8, "minute": 11}
